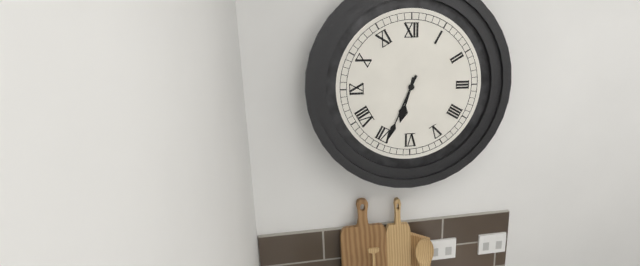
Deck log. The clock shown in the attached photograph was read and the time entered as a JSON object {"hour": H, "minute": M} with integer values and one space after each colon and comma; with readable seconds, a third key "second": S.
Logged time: {"hour": 6, "minute": 34}
